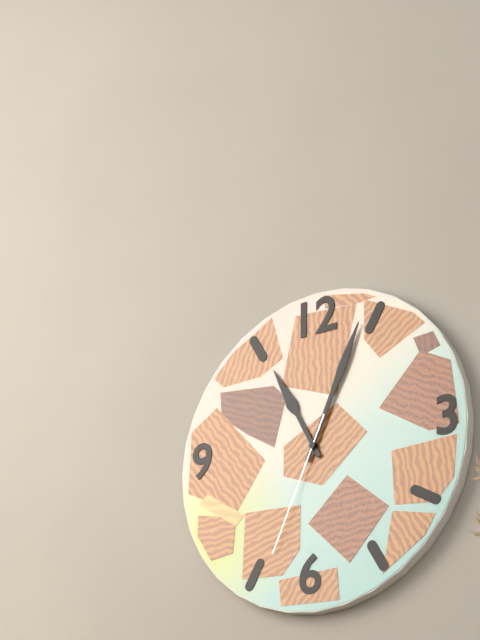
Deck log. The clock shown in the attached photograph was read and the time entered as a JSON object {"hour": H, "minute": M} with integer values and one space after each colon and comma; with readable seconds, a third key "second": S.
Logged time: {"hour": 11, "minute": 4, "second": 34}
